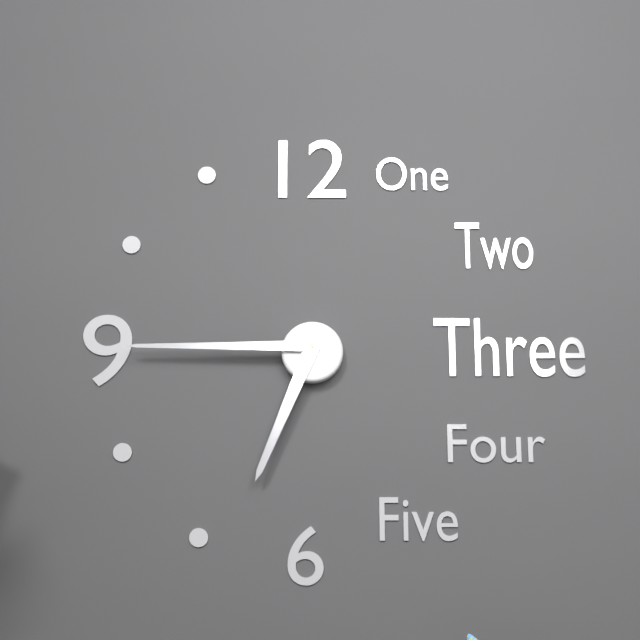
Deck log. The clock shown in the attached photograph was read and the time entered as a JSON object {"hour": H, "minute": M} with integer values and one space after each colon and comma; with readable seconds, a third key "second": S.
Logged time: {"hour": 6, "minute": 45}
